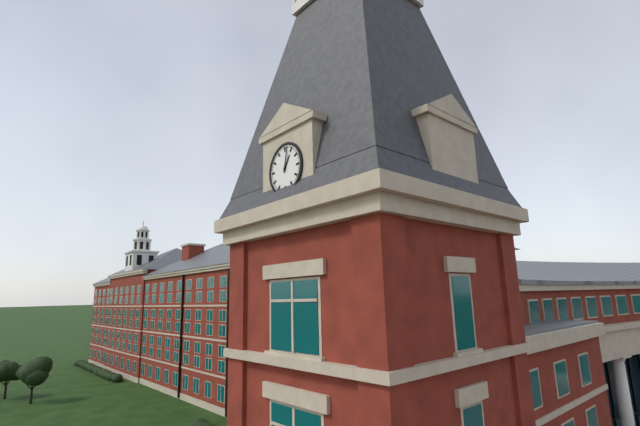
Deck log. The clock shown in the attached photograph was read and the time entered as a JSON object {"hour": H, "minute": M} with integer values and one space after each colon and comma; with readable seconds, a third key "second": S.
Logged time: {"hour": 1, "minute": 2}
